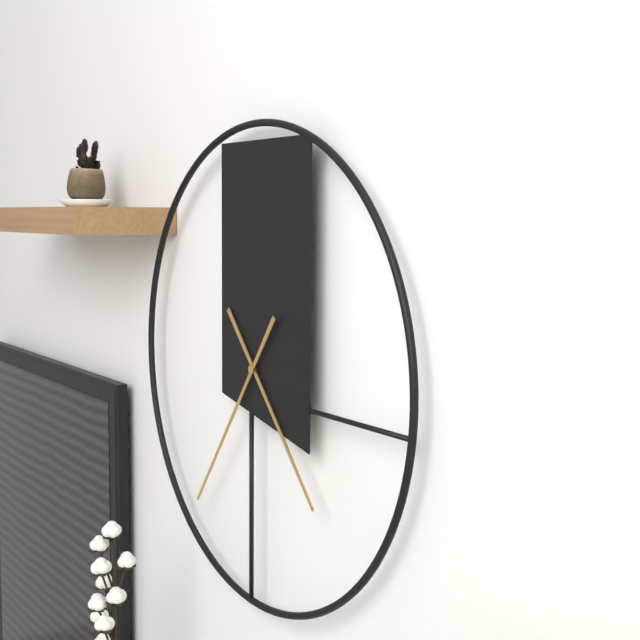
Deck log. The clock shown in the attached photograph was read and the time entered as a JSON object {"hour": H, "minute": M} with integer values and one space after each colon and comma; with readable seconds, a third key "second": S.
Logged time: {"hour": 4, "minute": 36}
